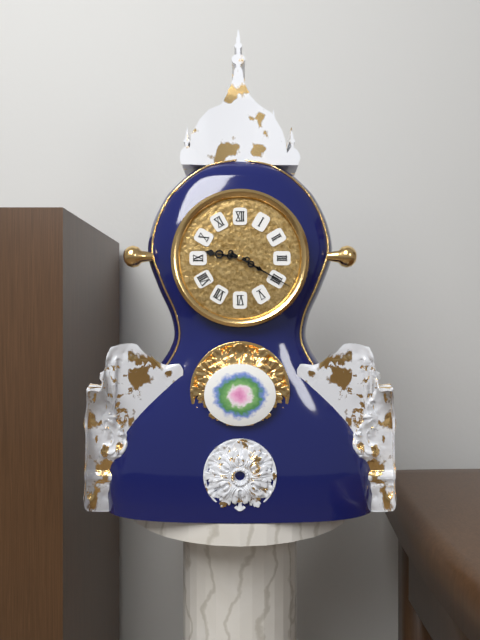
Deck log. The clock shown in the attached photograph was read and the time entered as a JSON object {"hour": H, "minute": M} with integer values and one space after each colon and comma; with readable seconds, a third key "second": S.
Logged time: {"hour": 9, "minute": 20}
